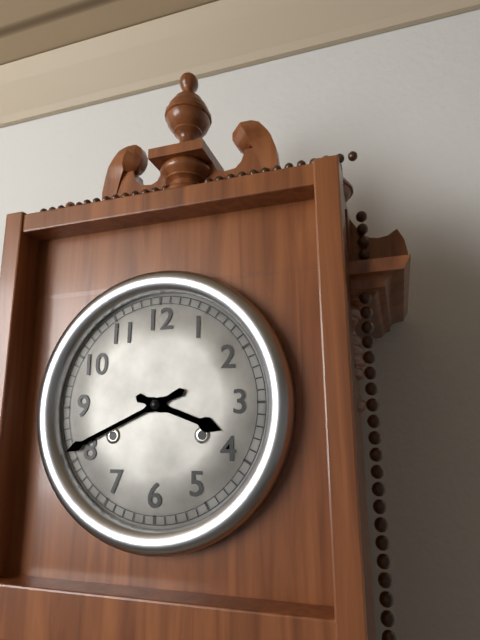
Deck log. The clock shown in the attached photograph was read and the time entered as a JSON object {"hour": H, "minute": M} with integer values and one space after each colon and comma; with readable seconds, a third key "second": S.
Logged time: {"hour": 3, "minute": 41}
